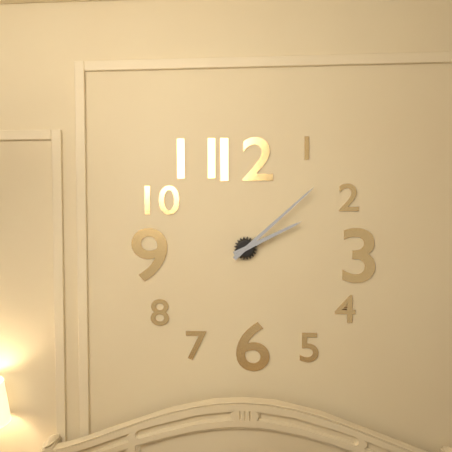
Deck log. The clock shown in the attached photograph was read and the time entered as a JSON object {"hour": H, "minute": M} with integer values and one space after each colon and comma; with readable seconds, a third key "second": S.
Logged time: {"hour": 2, "minute": 8}
